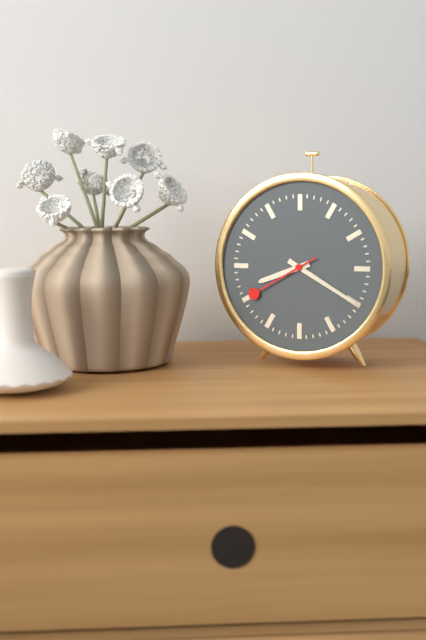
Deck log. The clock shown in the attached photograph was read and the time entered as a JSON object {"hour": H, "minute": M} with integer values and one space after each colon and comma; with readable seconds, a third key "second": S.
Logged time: {"hour": 8, "minute": 20, "second": 40}
